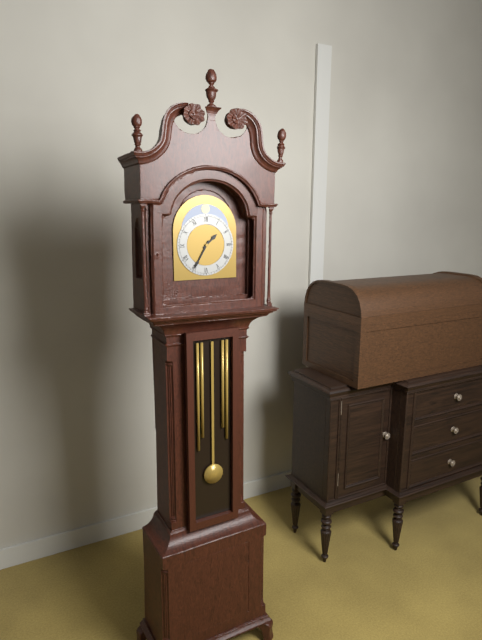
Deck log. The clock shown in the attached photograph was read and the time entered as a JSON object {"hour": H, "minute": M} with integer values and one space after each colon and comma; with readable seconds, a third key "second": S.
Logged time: {"hour": 1, "minute": 35}
